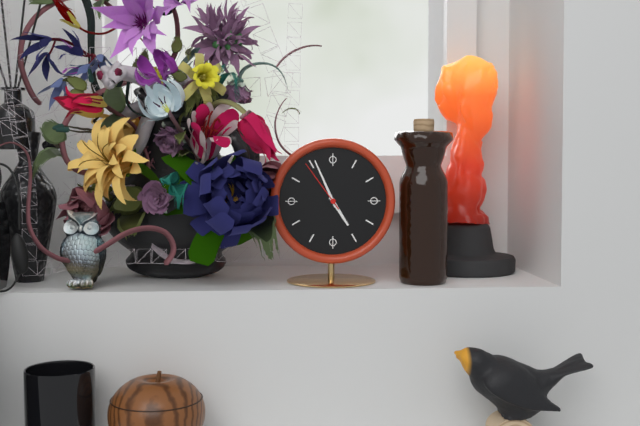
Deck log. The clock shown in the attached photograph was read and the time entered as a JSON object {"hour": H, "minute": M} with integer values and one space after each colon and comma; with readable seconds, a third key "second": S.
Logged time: {"hour": 4, "minute": 56, "second": 54}
